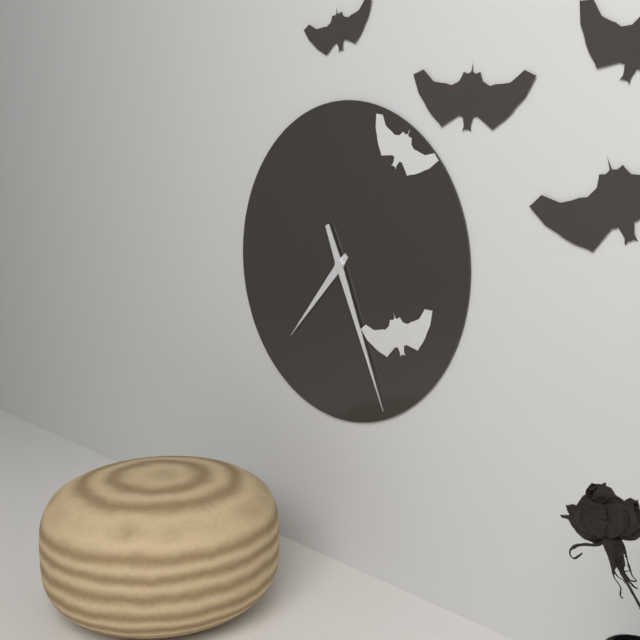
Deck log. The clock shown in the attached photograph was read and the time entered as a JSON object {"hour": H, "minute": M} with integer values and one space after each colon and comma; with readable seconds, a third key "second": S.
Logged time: {"hour": 7, "minute": 26}
